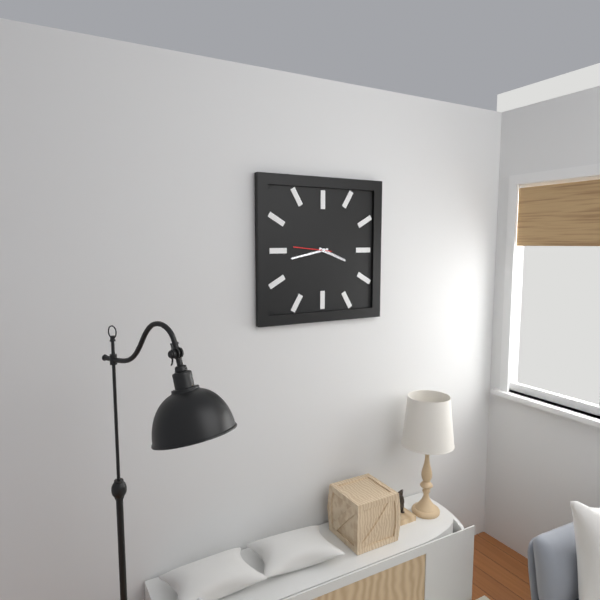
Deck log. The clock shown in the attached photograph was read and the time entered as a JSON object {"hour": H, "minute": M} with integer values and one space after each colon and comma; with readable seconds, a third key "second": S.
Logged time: {"hour": 3, "minute": 43}
